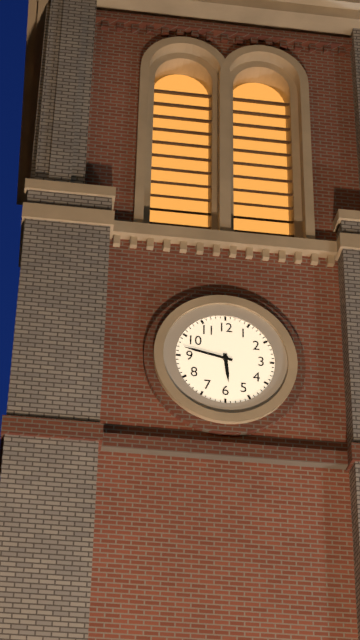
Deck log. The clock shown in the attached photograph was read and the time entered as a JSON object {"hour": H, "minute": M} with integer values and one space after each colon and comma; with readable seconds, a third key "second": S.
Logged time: {"hour": 5, "minute": 47}
